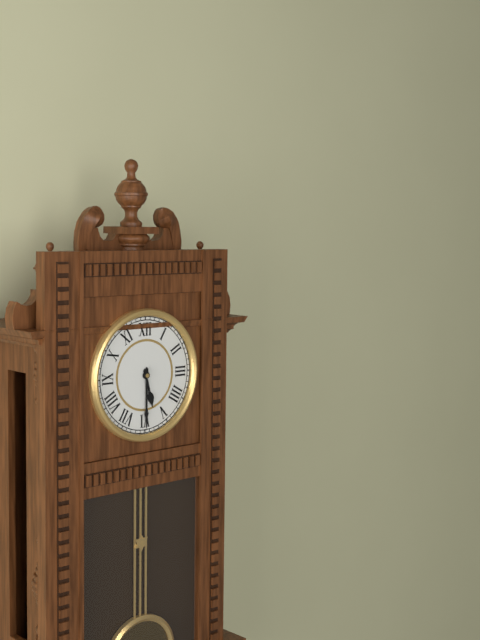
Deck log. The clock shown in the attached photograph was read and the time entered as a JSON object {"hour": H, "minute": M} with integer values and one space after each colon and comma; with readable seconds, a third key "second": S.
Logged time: {"hour": 5, "minute": 30}
